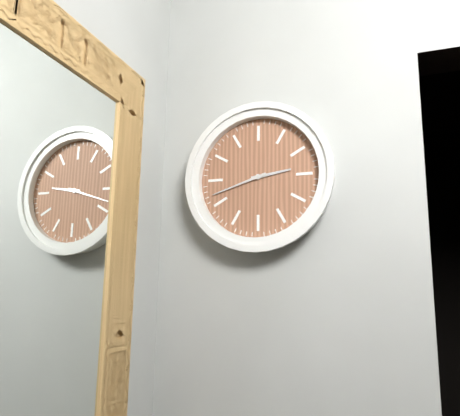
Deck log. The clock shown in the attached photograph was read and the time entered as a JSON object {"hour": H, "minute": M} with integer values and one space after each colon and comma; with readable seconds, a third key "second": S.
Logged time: {"hour": 2, "minute": 42}
